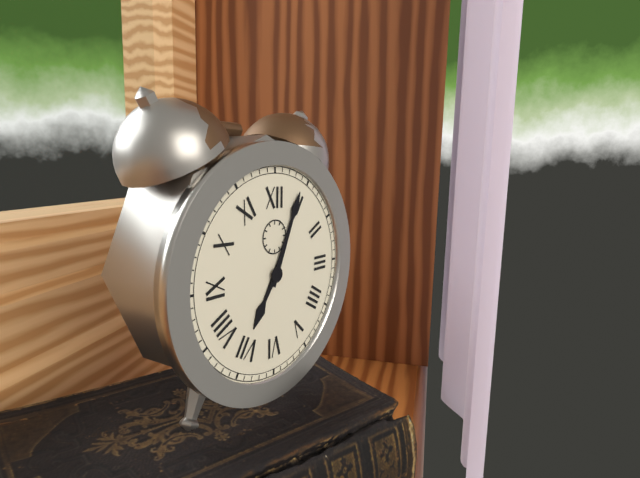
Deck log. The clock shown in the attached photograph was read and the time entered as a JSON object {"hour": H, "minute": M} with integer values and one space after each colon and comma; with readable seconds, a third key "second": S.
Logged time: {"hour": 7, "minute": 4}
